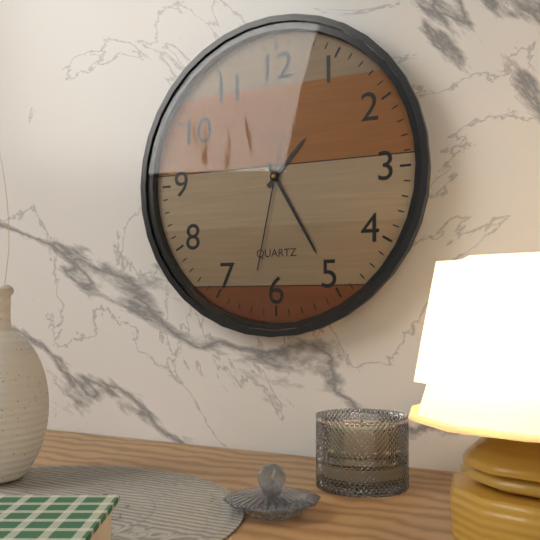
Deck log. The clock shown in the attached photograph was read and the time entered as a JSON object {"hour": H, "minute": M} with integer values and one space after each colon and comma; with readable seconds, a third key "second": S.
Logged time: {"hour": 1, "minute": 25, "second": 32}
